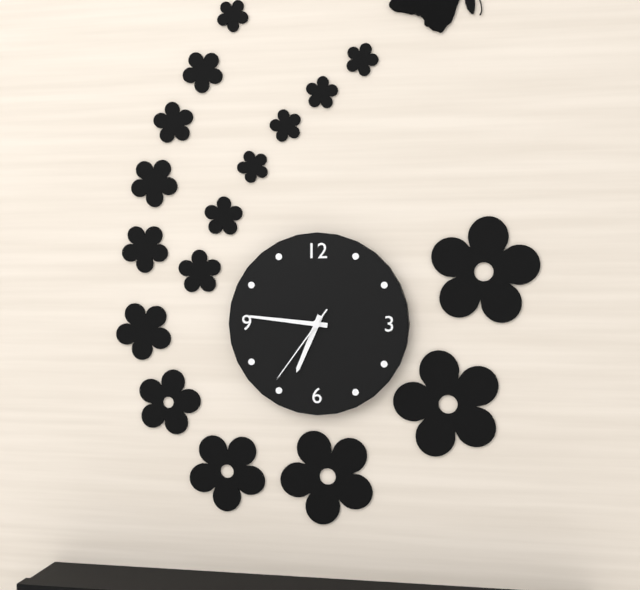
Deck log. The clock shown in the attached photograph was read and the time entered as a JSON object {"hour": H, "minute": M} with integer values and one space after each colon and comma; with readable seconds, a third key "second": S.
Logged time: {"hour": 6, "minute": 46, "second": 36}
